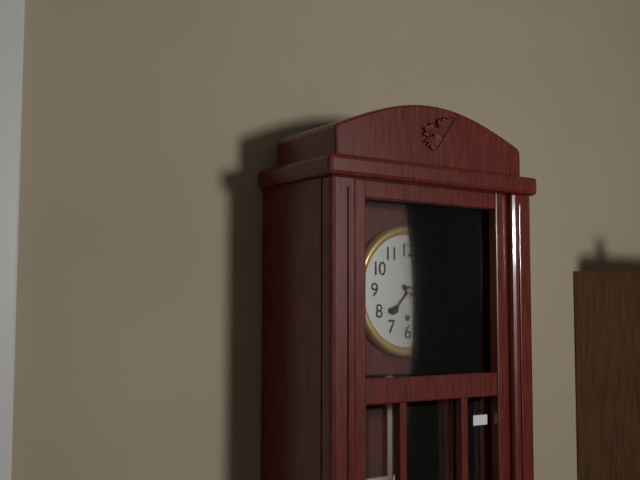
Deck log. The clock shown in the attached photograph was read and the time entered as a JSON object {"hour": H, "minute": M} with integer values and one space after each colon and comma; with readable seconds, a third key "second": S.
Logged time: {"hour": 7, "minute": 22}
